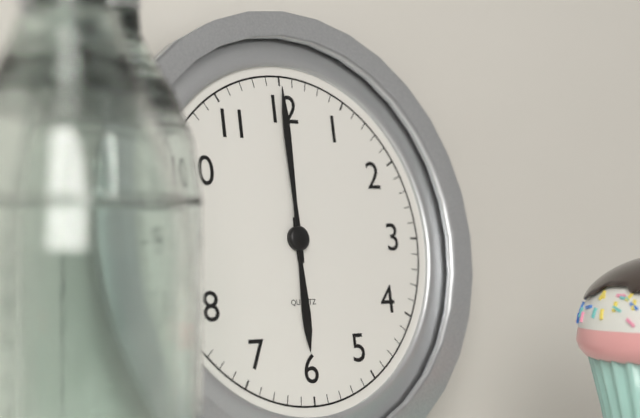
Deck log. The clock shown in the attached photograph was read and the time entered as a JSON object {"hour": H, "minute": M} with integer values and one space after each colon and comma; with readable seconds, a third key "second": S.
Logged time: {"hour": 6, "minute": 0}
